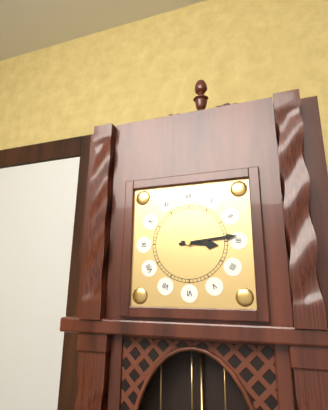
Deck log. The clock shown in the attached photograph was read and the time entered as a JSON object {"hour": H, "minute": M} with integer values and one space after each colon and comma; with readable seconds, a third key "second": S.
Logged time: {"hour": 3, "minute": 14}
